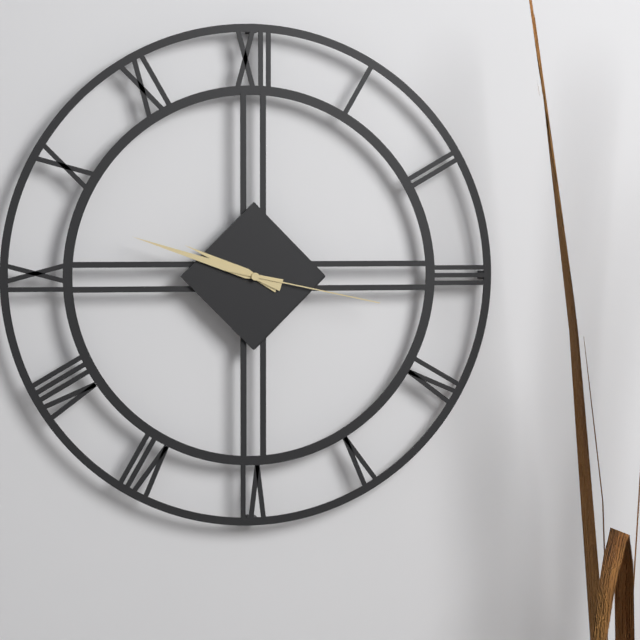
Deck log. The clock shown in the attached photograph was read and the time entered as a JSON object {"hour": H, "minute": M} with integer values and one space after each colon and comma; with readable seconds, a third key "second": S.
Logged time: {"hour": 9, "minute": 48, "second": 17}
